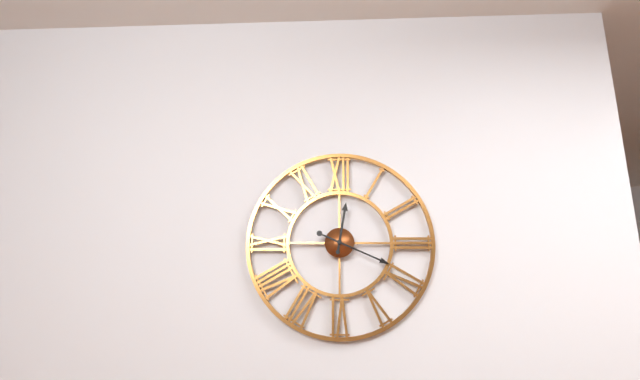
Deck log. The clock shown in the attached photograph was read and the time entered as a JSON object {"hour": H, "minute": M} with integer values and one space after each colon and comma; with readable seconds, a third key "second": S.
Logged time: {"hour": 12, "minute": 19}
